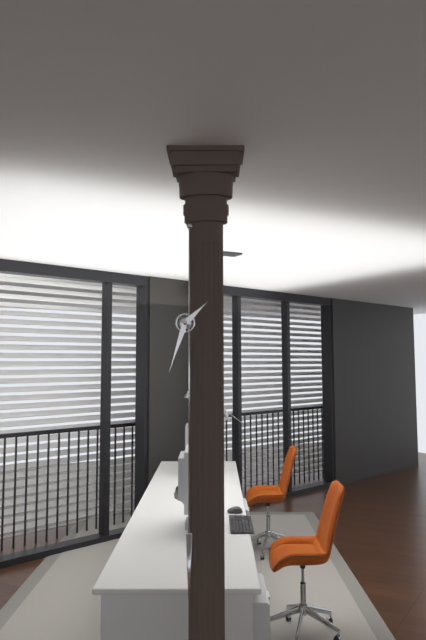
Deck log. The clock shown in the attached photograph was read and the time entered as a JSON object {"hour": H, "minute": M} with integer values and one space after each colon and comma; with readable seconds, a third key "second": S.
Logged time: {"hour": 1, "minute": 33}
